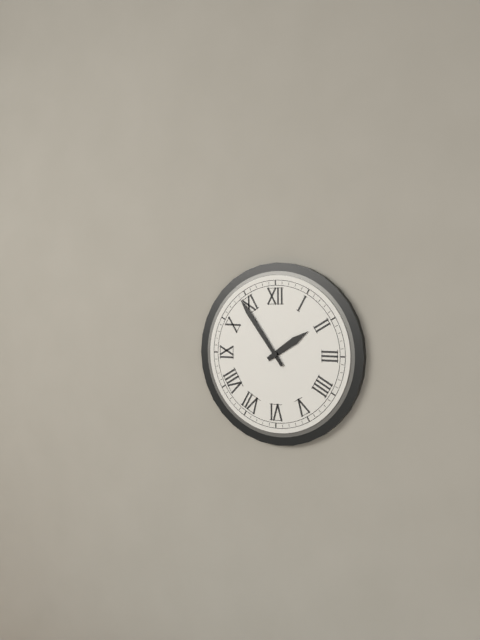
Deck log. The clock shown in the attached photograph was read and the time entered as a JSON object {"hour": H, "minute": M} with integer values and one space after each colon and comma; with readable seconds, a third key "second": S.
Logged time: {"hour": 1, "minute": 54}
